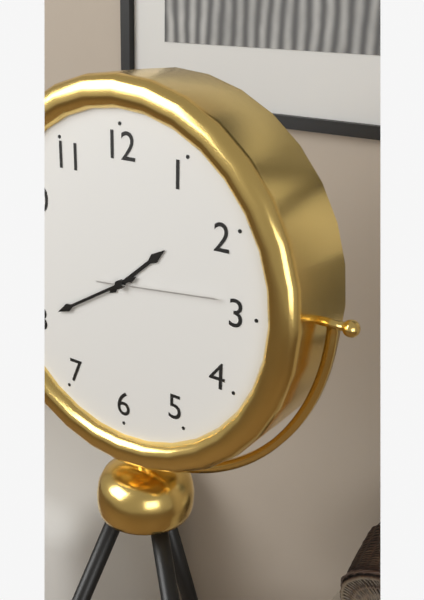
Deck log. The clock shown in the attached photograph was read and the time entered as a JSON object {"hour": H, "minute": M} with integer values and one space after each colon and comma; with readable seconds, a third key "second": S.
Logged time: {"hour": 1, "minute": 40, "second": 14}
